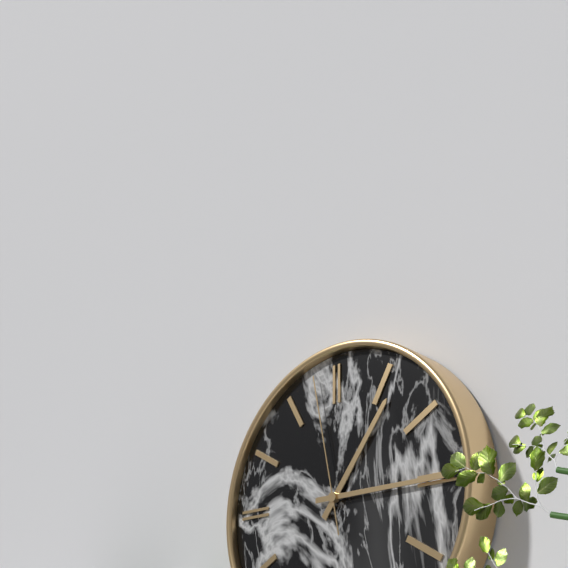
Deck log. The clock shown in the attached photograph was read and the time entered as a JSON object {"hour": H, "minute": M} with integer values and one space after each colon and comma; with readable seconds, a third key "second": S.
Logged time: {"hour": 1, "minute": 15, "second": 58}
